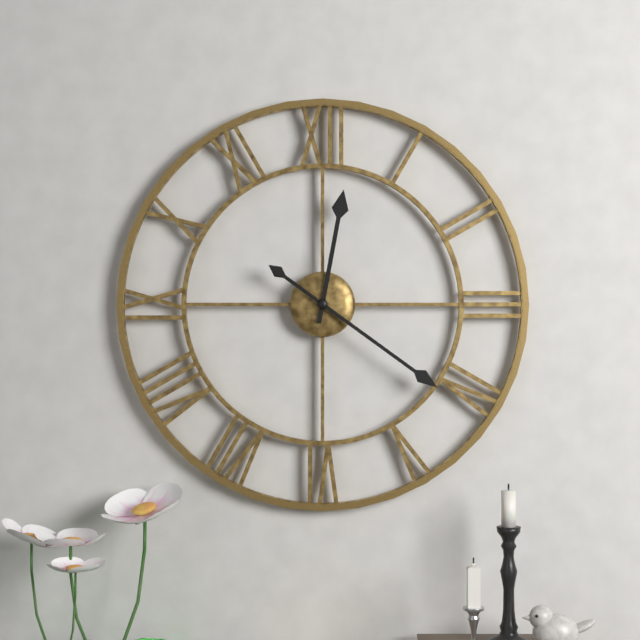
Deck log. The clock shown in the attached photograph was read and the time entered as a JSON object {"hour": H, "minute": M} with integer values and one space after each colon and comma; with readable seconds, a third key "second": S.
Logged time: {"hour": 12, "minute": 21}
